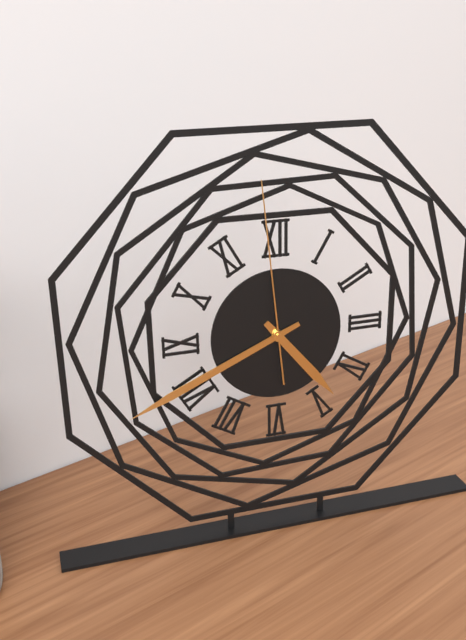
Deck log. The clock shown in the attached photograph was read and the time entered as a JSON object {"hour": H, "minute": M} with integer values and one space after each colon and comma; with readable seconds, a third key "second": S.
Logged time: {"hour": 4, "minute": 41, "second": 59}
